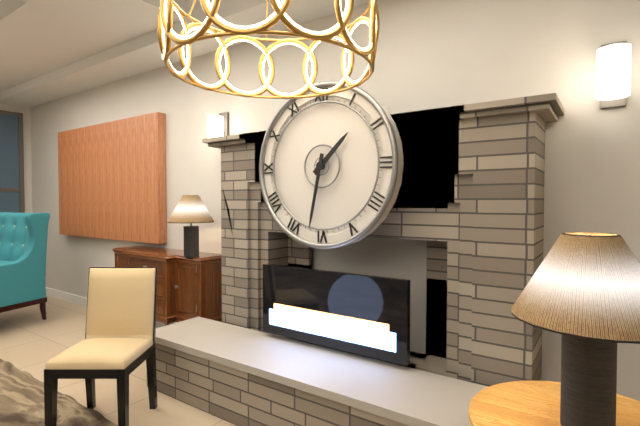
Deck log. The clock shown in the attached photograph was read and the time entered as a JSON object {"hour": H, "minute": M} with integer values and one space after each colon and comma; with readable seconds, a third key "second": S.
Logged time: {"hour": 1, "minute": 32}
